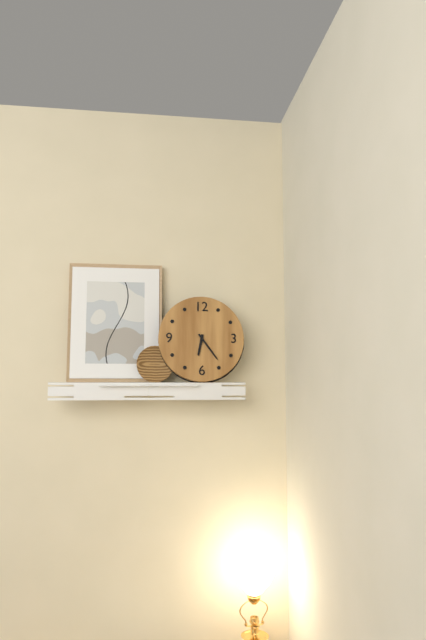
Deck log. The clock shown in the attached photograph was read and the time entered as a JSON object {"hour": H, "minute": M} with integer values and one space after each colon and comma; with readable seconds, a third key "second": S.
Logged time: {"hour": 6, "minute": 24}
